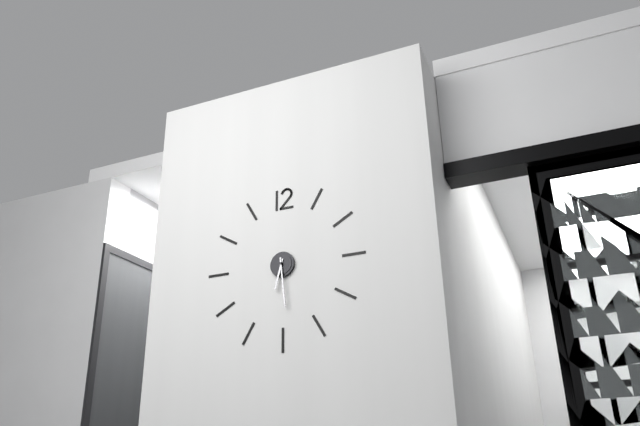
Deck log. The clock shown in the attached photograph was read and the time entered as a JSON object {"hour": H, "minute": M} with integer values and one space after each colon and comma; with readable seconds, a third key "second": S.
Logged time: {"hour": 6, "minute": 29}
